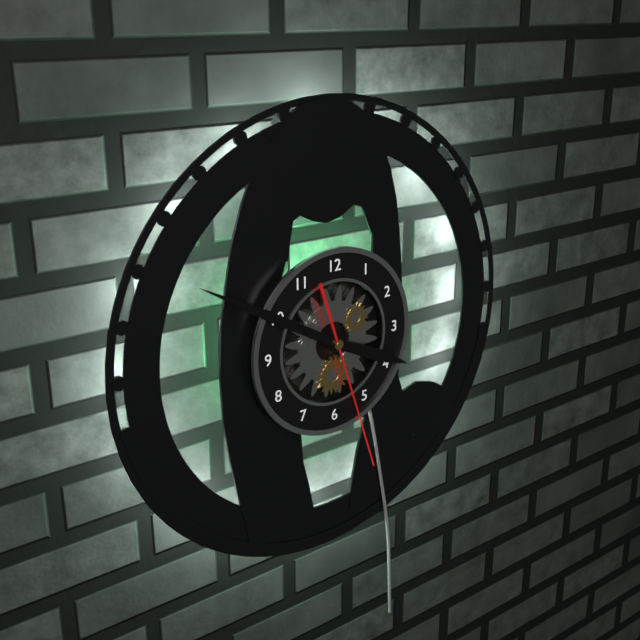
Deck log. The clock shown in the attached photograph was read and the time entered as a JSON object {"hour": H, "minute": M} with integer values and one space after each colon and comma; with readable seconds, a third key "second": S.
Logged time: {"hour": 3, "minute": 50, "second": 27}
